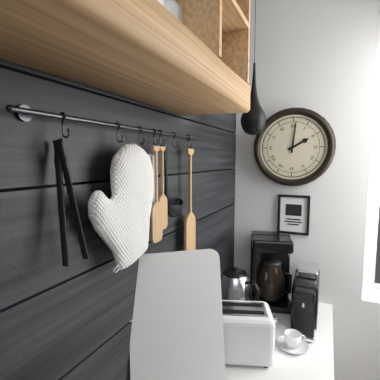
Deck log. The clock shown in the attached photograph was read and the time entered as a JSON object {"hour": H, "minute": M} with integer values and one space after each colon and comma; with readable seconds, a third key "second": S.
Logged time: {"hour": 2, "minute": 1}
